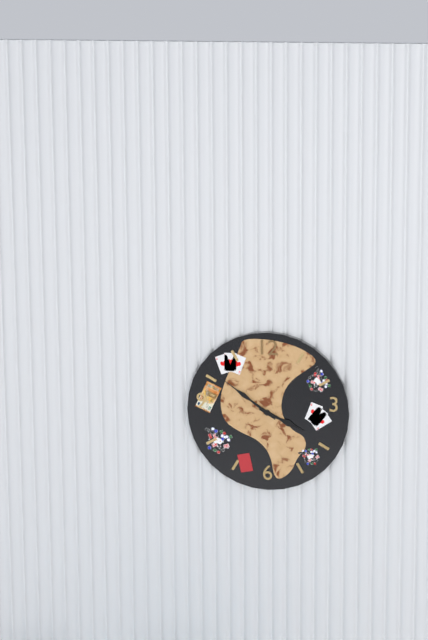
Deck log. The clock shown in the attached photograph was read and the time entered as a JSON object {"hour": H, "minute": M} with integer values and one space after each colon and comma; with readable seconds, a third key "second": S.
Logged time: {"hour": 3, "minute": 51}
